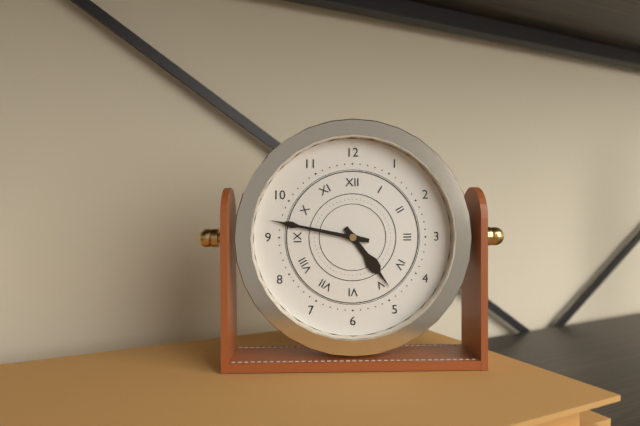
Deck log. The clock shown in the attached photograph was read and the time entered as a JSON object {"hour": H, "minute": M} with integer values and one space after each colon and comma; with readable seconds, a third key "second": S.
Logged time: {"hour": 4, "minute": 47}
